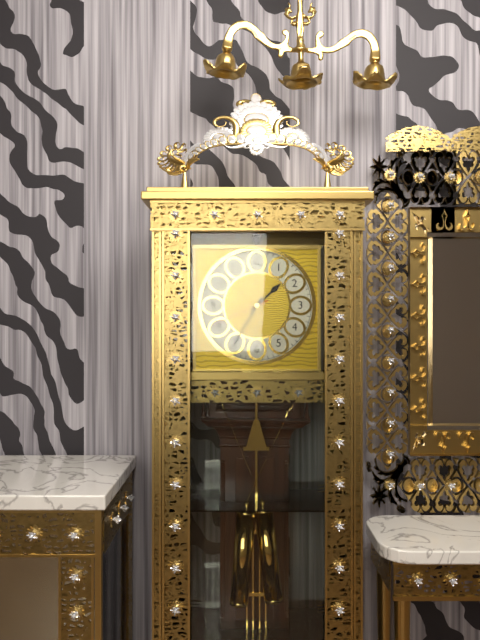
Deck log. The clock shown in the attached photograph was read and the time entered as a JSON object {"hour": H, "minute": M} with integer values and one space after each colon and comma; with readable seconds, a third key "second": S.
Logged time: {"hour": 1, "minute": 35, "second": 41}
